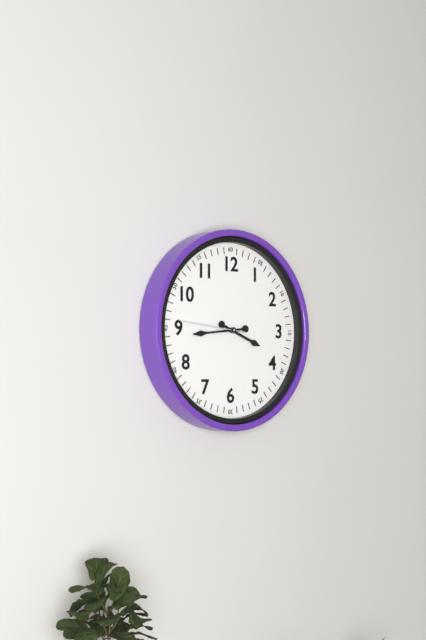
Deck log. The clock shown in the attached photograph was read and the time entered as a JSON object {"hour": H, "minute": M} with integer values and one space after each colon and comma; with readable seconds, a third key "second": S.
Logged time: {"hour": 3, "minute": 44}
